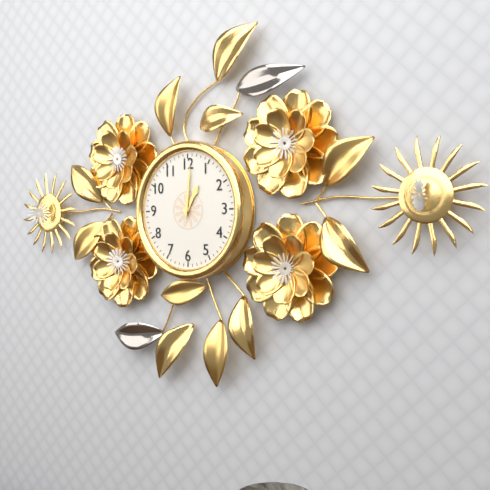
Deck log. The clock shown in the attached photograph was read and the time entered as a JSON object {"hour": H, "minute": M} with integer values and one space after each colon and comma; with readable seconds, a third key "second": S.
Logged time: {"hour": 1, "minute": 1}
